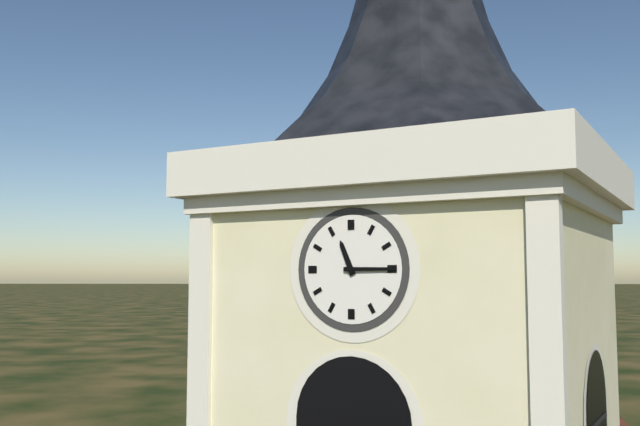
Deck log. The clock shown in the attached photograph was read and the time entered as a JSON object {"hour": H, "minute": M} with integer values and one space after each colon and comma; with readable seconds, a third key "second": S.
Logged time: {"hour": 11, "minute": 15}
